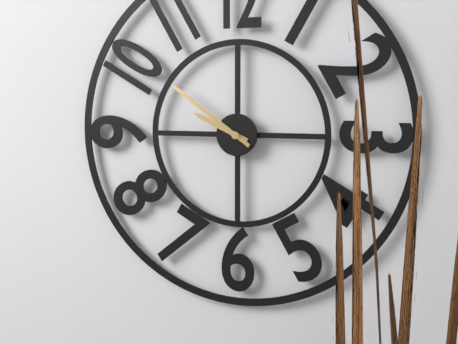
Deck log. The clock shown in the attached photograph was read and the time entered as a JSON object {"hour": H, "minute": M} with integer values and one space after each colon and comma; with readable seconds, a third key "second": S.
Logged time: {"hour": 9, "minute": 51}
